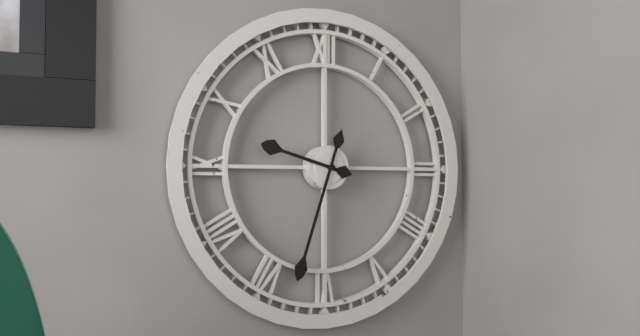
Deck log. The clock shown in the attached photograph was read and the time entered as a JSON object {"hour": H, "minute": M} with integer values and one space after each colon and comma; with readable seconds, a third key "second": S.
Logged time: {"hour": 9, "minute": 33}
